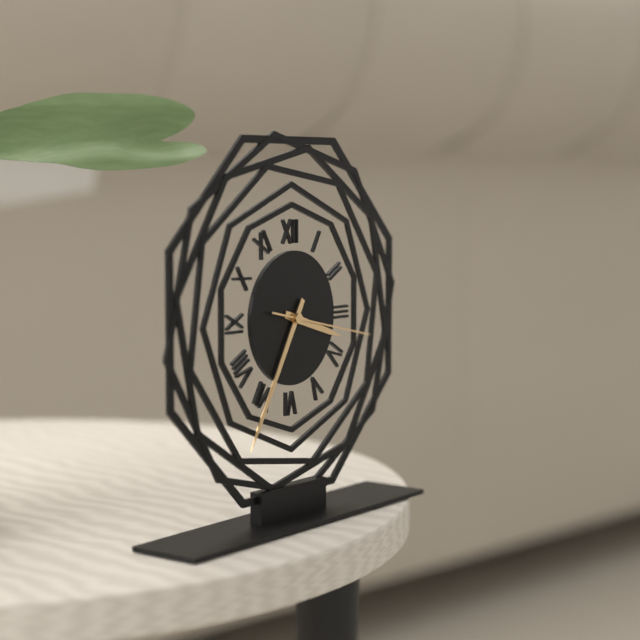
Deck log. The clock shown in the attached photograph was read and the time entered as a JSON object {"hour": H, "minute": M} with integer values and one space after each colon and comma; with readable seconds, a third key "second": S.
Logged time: {"hour": 3, "minute": 35, "second": 17}
